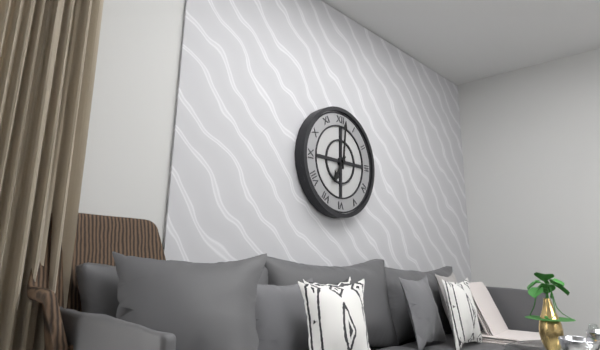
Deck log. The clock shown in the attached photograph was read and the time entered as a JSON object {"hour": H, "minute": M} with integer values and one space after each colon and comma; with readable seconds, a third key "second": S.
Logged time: {"hour": 7, "minute": 1}
